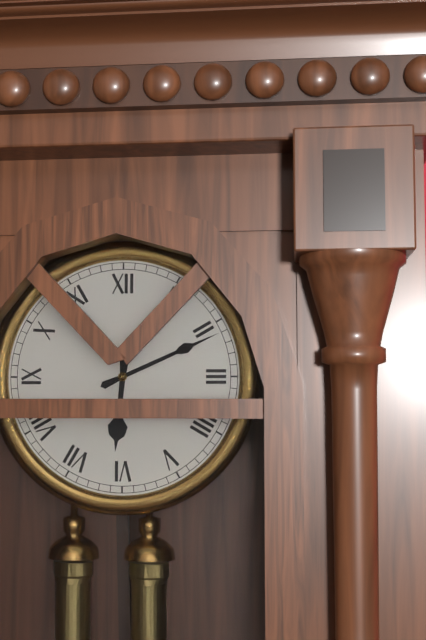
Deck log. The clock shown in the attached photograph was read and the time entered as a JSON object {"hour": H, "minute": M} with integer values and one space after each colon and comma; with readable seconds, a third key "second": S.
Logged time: {"hour": 6, "minute": 11}
